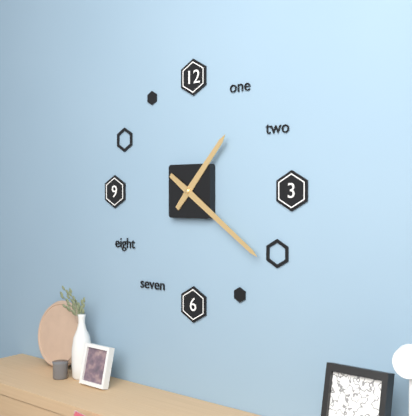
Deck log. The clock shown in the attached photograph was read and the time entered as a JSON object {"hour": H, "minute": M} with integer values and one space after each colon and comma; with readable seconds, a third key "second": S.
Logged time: {"hour": 1, "minute": 21}
